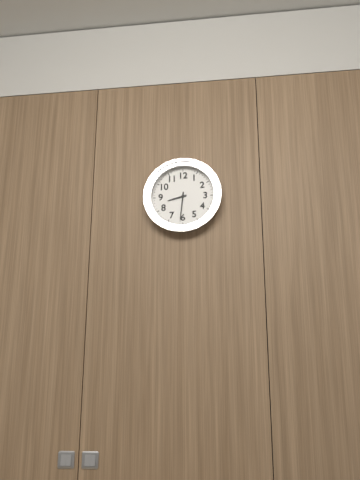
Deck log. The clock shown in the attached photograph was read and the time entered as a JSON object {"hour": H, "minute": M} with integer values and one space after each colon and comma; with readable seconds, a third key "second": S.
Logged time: {"hour": 8, "minute": 31}
